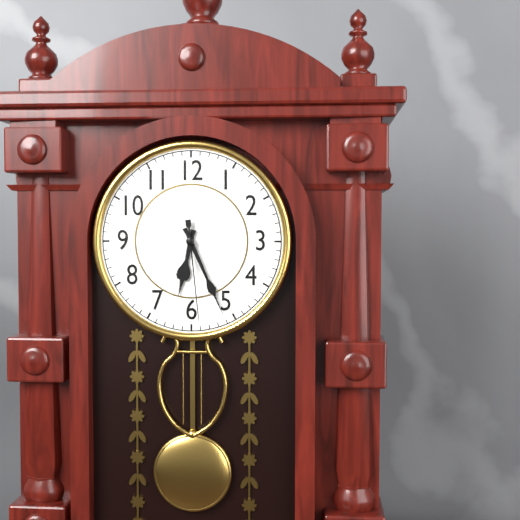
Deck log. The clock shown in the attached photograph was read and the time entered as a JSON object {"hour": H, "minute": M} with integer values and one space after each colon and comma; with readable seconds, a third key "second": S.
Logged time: {"hour": 6, "minute": 26, "second": 29}
